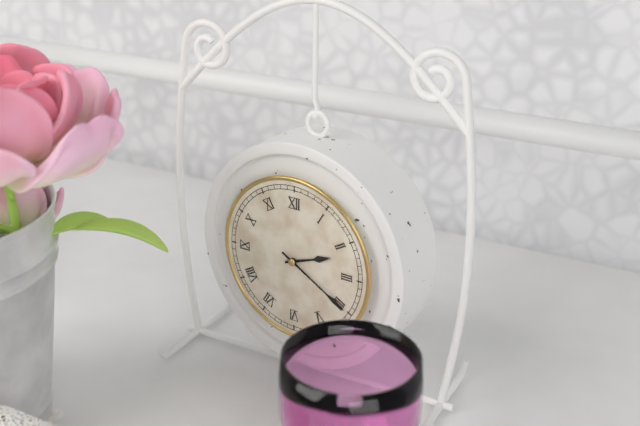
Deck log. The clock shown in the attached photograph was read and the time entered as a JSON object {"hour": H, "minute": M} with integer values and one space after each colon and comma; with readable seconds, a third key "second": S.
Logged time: {"hour": 2, "minute": 20}
